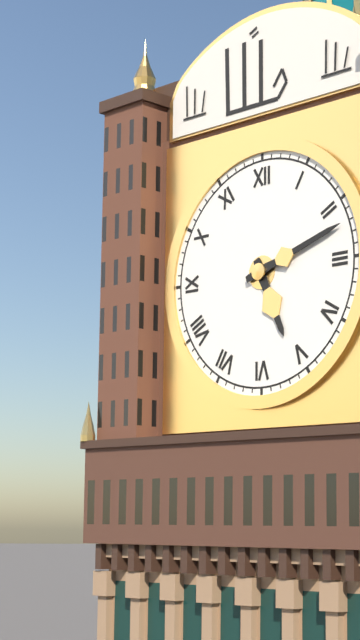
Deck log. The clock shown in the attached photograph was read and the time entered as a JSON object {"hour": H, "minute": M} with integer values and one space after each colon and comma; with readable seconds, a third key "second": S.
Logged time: {"hour": 5, "minute": 12}
